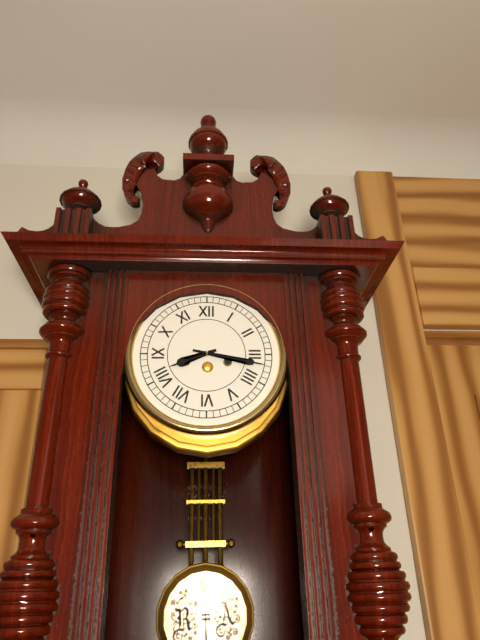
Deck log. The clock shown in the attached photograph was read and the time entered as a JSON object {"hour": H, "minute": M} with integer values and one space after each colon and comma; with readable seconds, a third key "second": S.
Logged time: {"hour": 8, "minute": 17}
